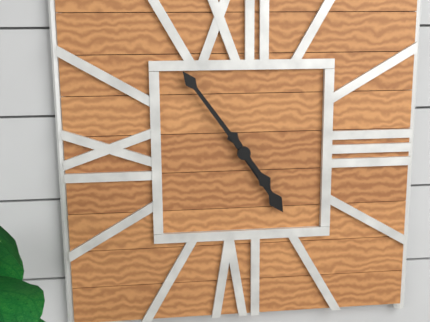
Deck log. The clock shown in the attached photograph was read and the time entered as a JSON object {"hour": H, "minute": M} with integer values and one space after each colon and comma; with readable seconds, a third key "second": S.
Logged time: {"hour": 4, "minute": 54}
